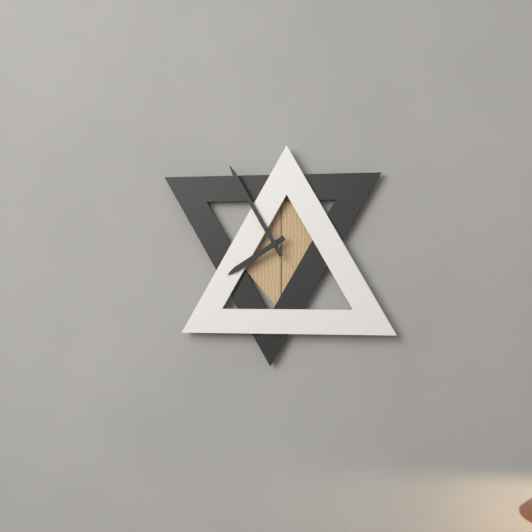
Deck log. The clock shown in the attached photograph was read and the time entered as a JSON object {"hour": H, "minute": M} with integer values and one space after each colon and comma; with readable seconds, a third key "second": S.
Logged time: {"hour": 7, "minute": 55}
